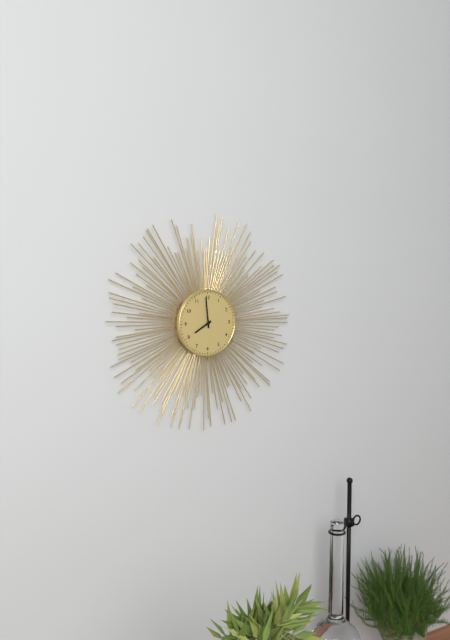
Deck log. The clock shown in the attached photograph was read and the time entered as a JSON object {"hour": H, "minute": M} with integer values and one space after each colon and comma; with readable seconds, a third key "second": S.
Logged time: {"hour": 7, "minute": 59}
